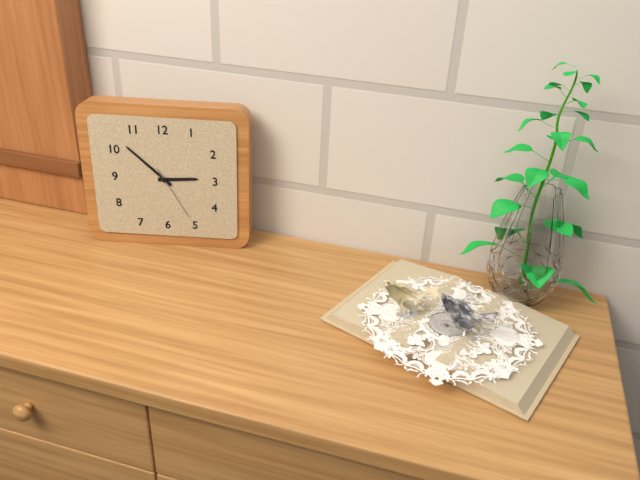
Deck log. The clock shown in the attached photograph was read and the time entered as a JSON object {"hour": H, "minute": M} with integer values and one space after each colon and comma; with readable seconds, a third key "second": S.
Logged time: {"hour": 2, "minute": 52, "second": 25}
